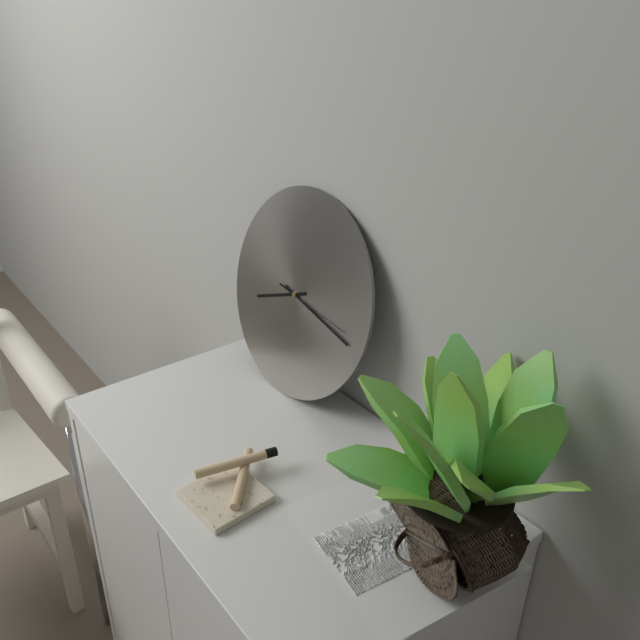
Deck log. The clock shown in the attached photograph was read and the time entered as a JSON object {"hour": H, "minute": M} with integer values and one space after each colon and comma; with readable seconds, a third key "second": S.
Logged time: {"hour": 8, "minute": 17, "second": 16}
